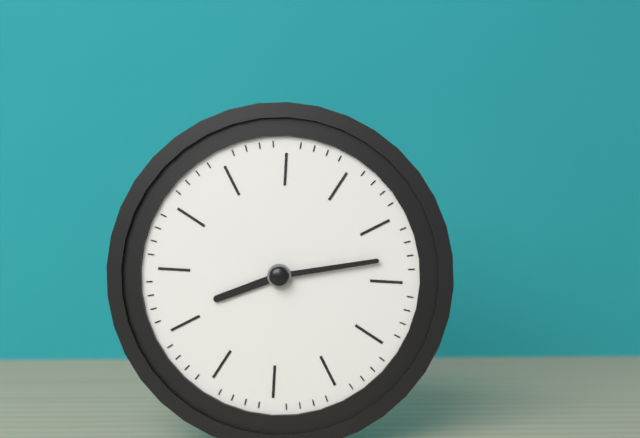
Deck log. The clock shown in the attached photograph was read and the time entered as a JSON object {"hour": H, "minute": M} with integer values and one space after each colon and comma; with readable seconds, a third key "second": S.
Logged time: {"hour": 8, "minute": 13}
